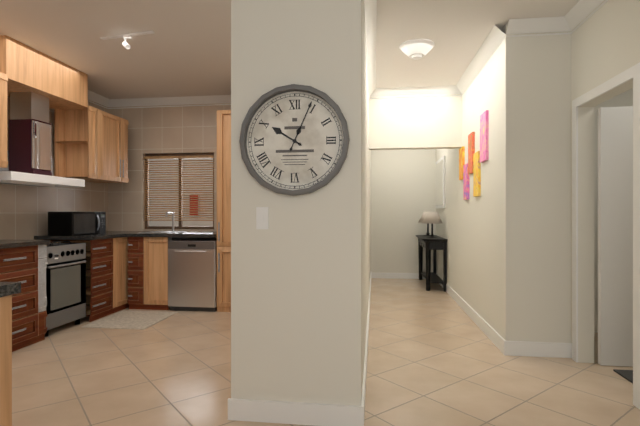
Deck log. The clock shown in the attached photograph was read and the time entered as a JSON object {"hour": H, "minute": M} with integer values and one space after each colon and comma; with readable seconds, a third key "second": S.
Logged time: {"hour": 10, "minute": 4}
